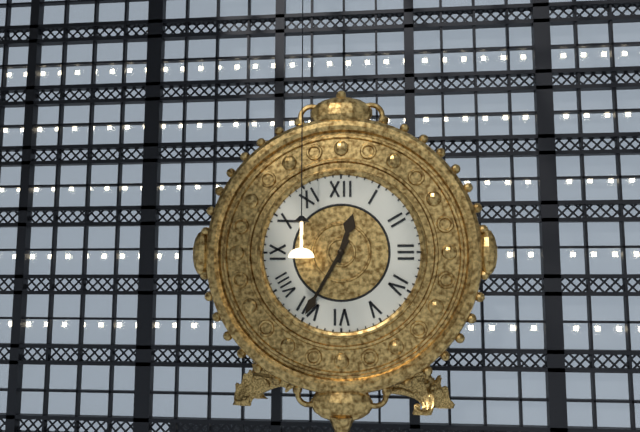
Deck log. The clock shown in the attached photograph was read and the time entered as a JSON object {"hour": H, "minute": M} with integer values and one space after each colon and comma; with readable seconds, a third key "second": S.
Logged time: {"hour": 12, "minute": 35}
